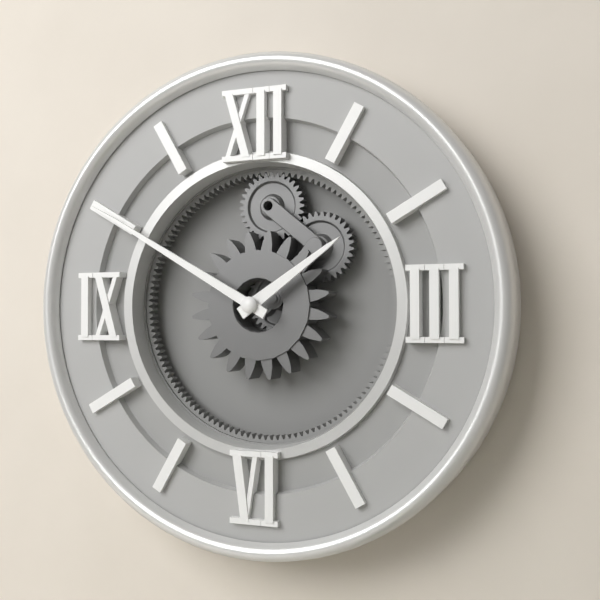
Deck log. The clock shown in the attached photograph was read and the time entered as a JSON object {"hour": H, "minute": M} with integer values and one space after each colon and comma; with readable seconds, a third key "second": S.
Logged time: {"hour": 1, "minute": 50}
